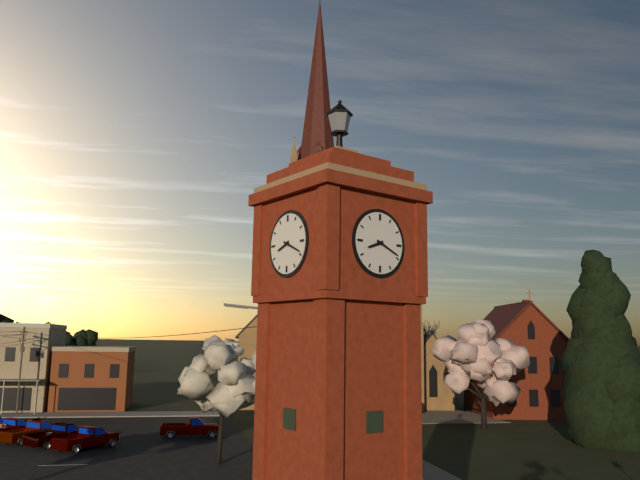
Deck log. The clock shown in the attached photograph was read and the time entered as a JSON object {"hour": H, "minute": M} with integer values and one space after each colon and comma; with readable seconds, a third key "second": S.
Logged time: {"hour": 8, "minute": 19}
